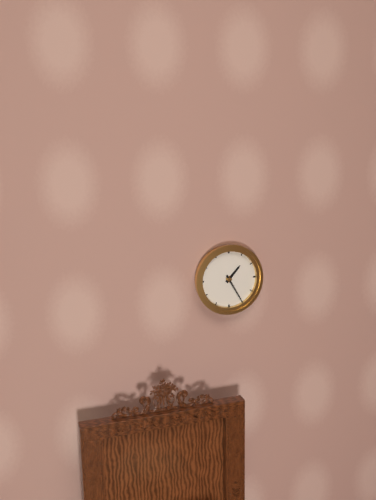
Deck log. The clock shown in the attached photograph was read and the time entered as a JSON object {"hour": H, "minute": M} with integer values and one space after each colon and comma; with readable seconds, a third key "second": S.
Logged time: {"hour": 1, "minute": 25}
